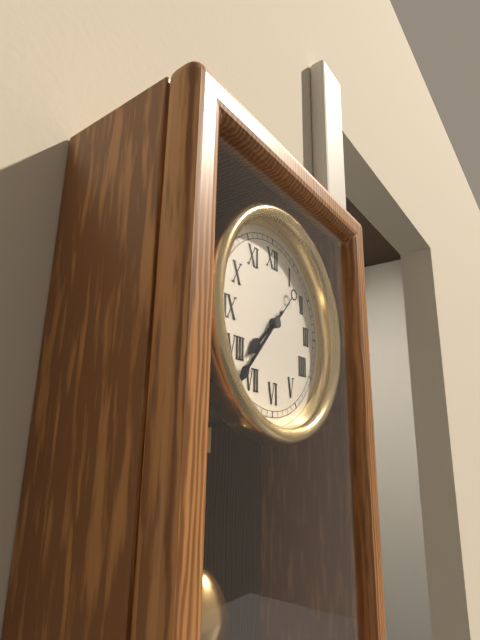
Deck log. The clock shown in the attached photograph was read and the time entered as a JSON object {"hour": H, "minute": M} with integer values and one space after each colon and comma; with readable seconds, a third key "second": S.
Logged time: {"hour": 7, "minute": 37, "second": 37}
